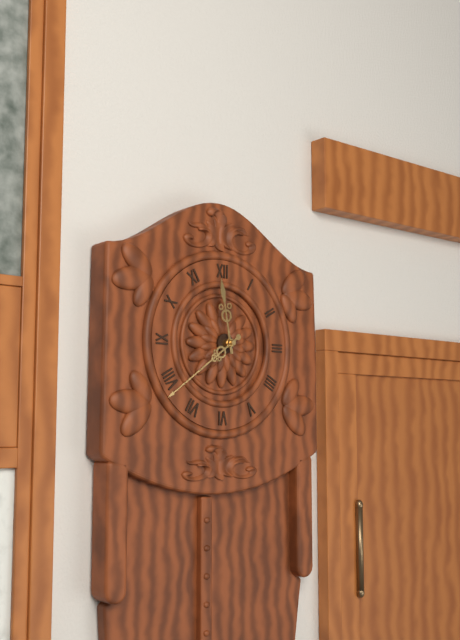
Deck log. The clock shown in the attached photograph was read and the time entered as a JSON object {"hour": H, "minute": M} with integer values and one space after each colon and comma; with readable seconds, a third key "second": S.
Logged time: {"hour": 11, "minute": 39}
